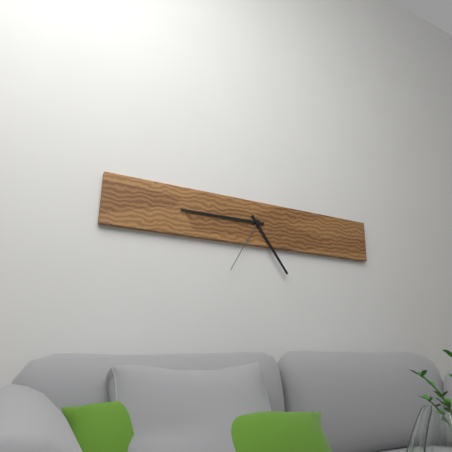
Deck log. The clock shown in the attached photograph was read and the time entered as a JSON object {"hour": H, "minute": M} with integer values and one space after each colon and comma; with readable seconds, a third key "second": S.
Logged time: {"hour": 4, "minute": 45, "second": 35}
